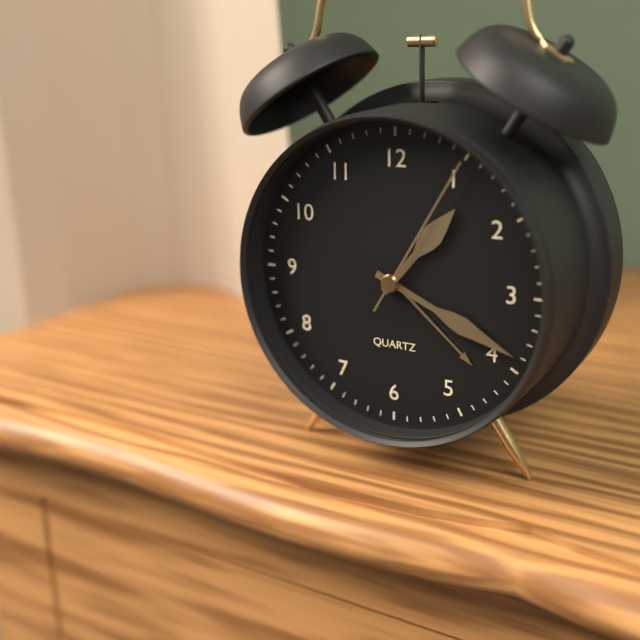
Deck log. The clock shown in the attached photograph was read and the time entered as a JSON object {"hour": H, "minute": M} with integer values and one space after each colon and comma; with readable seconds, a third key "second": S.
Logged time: {"hour": 1, "minute": 19, "second": 5}
